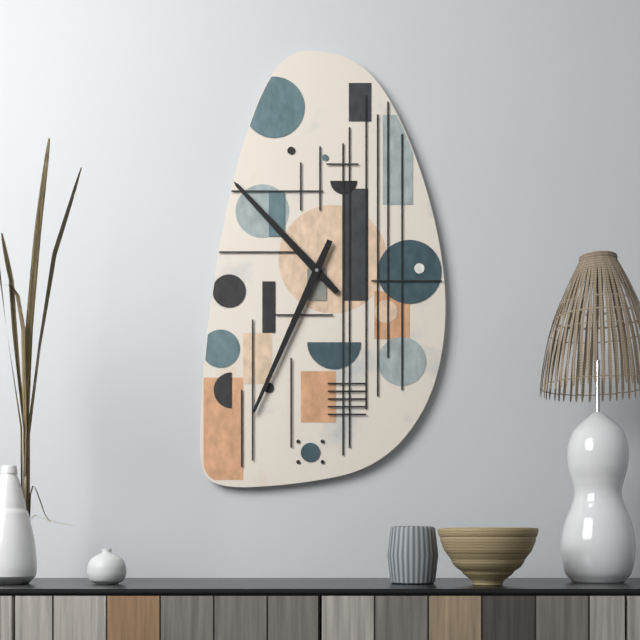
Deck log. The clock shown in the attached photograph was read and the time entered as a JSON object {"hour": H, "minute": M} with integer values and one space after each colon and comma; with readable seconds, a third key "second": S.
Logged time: {"hour": 10, "minute": 34}
